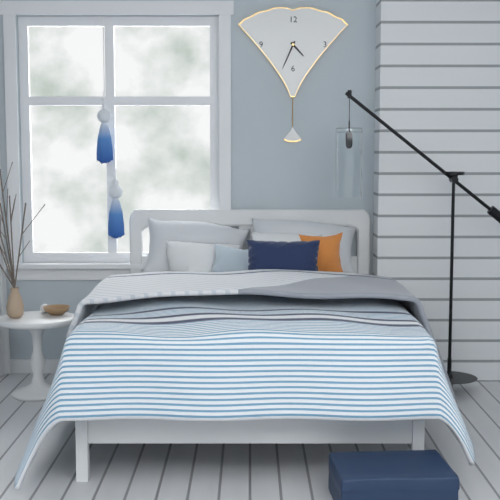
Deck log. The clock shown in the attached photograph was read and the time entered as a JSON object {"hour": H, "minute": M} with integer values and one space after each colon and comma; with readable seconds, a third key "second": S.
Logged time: {"hour": 4, "minute": 34}
